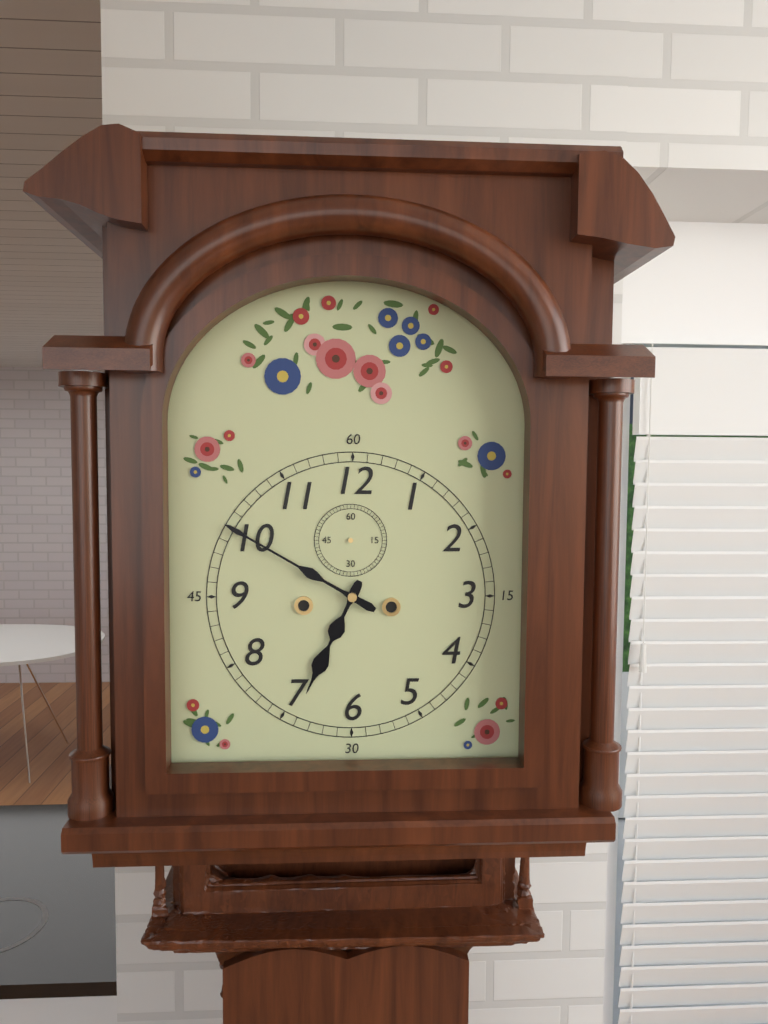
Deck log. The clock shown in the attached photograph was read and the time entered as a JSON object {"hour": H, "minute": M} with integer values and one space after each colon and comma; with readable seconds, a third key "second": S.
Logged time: {"hour": 6, "minute": 50}
